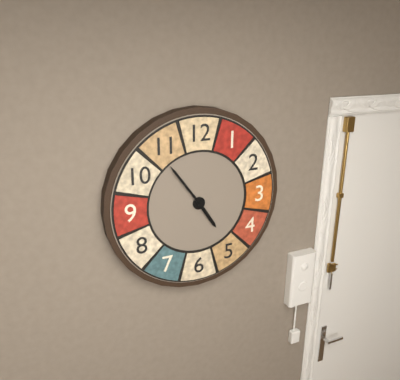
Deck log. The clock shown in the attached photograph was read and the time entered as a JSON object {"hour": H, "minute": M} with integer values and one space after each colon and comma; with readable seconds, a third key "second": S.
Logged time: {"hour": 4, "minute": 54}
